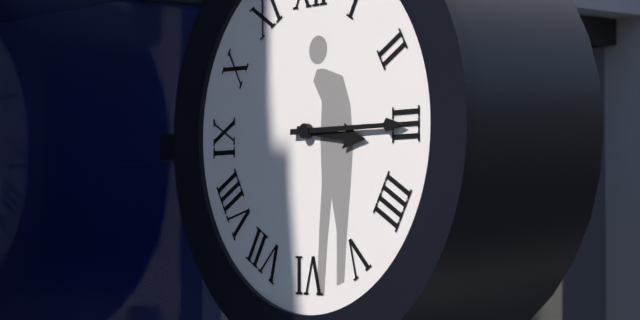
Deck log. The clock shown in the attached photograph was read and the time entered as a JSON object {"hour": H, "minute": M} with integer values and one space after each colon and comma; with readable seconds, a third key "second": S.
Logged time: {"hour": 3, "minute": 15}
